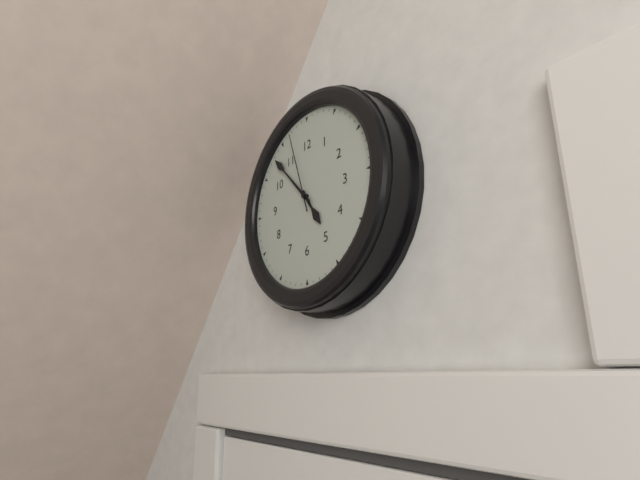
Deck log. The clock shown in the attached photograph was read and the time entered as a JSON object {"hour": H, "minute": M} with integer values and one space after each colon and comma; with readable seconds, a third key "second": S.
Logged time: {"hour": 4, "minute": 53, "second": 57}
